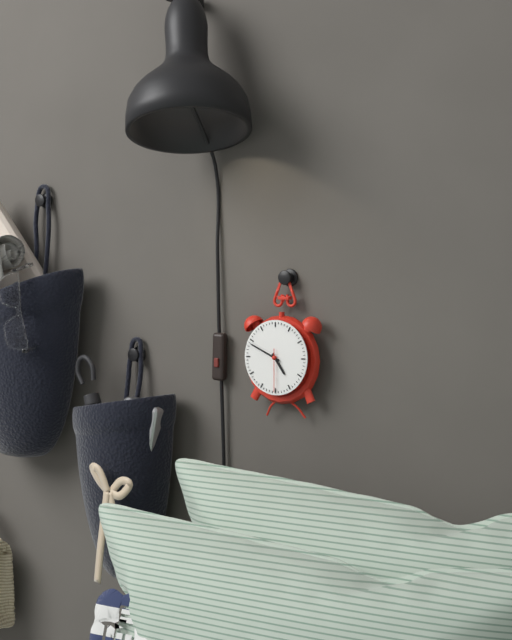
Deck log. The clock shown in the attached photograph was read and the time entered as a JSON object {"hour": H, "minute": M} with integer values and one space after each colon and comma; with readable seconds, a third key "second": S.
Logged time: {"hour": 4, "minute": 49}
